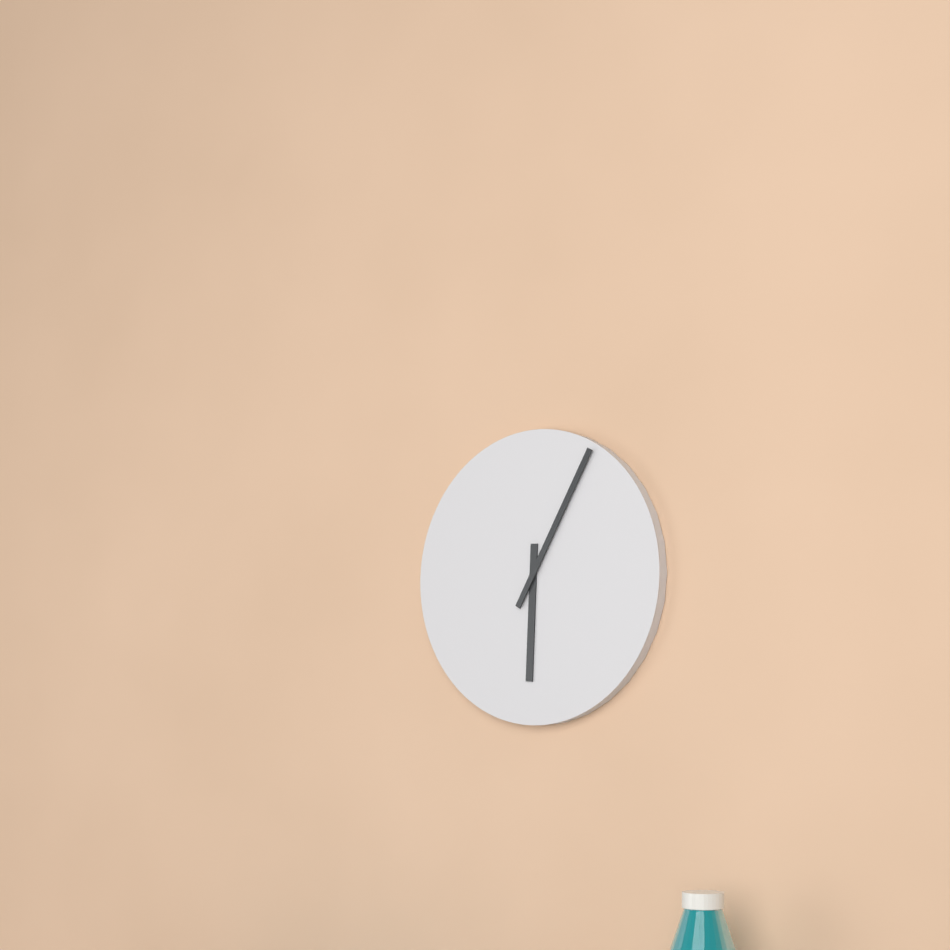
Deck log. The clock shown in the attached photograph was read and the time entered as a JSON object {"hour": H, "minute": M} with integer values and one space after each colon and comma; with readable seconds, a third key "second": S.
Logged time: {"hour": 6, "minute": 5}
